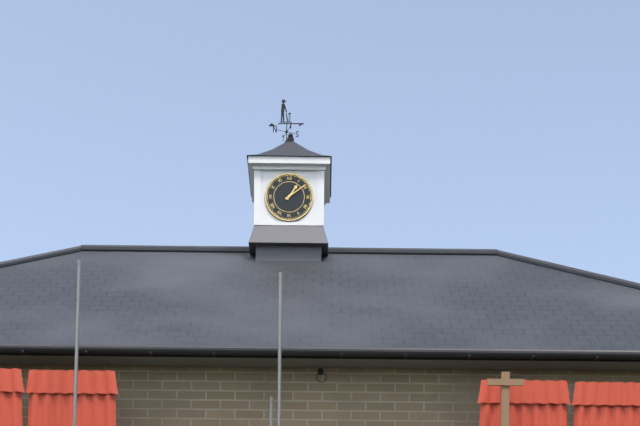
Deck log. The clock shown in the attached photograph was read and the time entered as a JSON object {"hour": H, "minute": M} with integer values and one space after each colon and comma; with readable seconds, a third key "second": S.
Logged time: {"hour": 1, "minute": 9}
